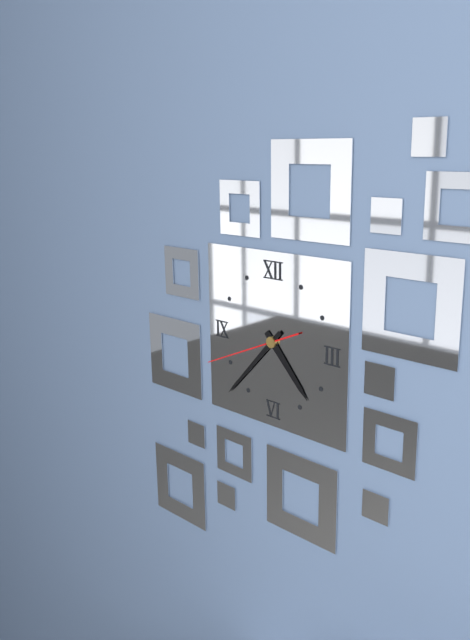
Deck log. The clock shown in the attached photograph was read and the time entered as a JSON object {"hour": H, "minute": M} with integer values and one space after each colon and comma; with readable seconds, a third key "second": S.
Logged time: {"hour": 4, "minute": 37, "second": 41}
